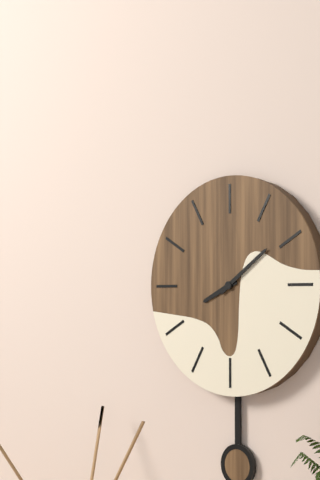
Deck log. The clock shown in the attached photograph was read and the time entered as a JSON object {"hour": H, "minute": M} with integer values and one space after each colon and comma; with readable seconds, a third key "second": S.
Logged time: {"hour": 8, "minute": 9}
